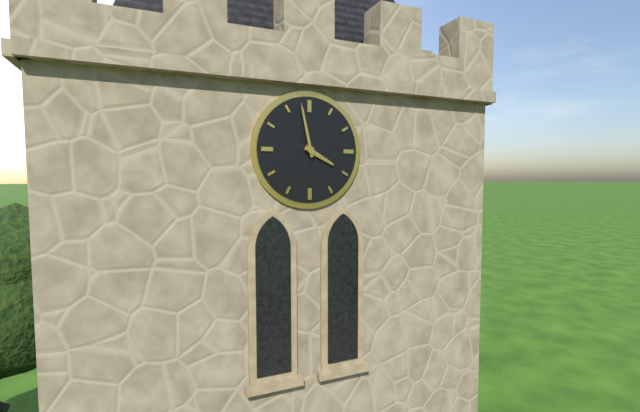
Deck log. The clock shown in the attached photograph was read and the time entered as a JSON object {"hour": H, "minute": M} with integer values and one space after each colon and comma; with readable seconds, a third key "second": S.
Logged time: {"hour": 3, "minute": 58}
